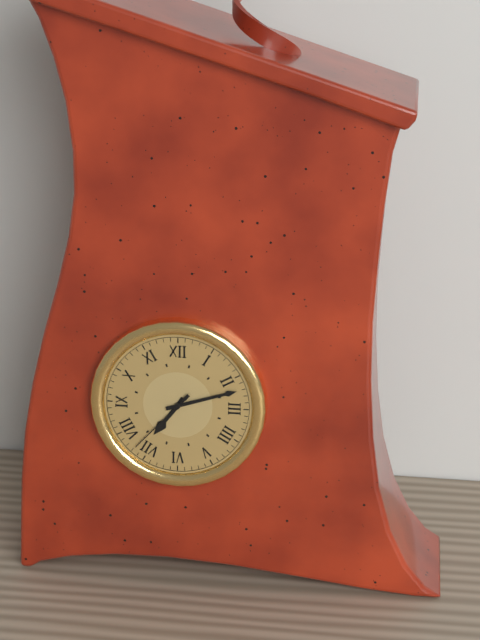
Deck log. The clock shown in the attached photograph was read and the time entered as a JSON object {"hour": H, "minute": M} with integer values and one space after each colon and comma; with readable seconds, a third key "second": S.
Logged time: {"hour": 7, "minute": 12, "second": 37}
